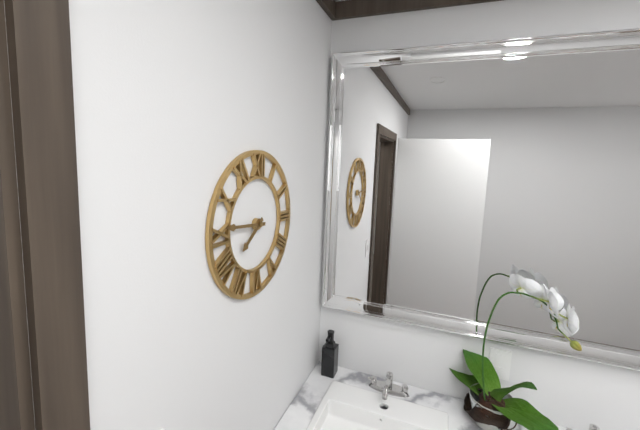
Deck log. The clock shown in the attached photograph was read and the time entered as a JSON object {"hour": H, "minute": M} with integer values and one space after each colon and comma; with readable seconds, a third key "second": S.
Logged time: {"hour": 7, "minute": 46}
